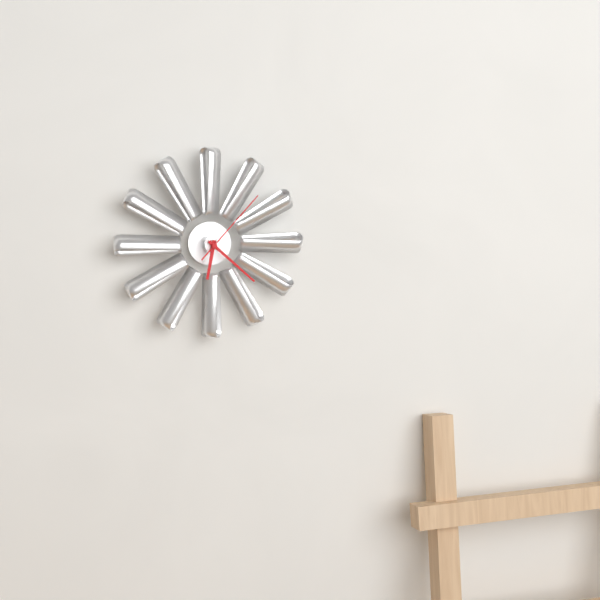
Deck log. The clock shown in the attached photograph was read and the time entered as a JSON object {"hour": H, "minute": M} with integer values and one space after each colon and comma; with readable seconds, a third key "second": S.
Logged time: {"hour": 6, "minute": 22, "second": 7}
